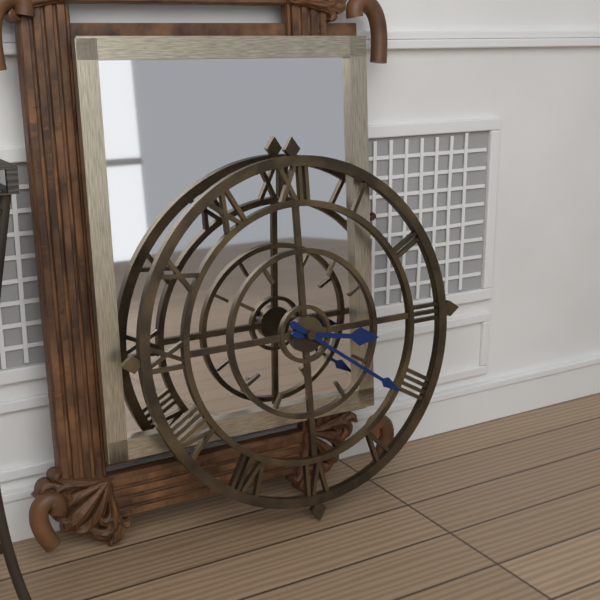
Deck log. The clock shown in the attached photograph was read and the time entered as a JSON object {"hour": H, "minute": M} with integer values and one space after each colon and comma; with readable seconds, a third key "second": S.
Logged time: {"hour": 3, "minute": 21}
